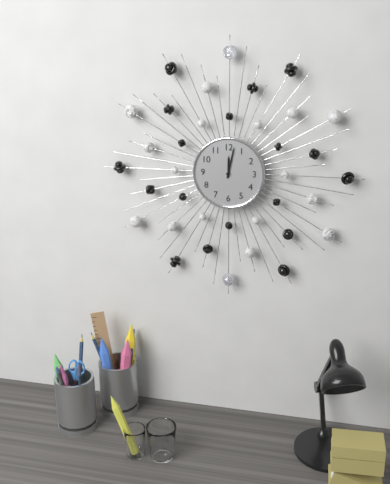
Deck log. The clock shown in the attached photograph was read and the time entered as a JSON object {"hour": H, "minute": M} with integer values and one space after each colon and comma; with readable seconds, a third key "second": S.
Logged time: {"hour": 12, "minute": 2}
